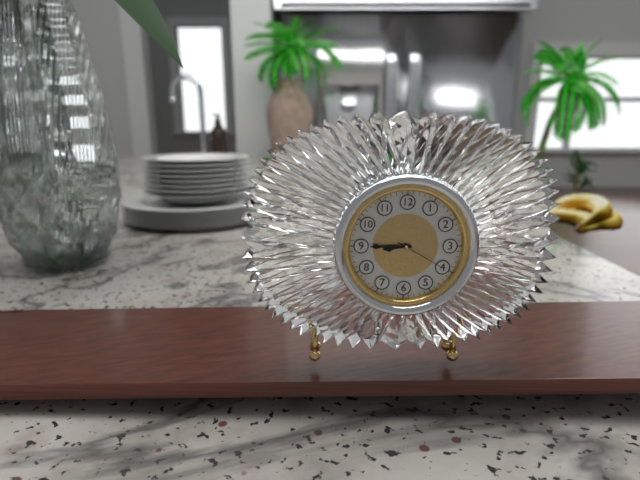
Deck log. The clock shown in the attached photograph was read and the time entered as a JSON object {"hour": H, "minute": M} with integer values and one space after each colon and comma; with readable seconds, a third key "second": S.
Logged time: {"hour": 8, "minute": 45, "second": 20}
